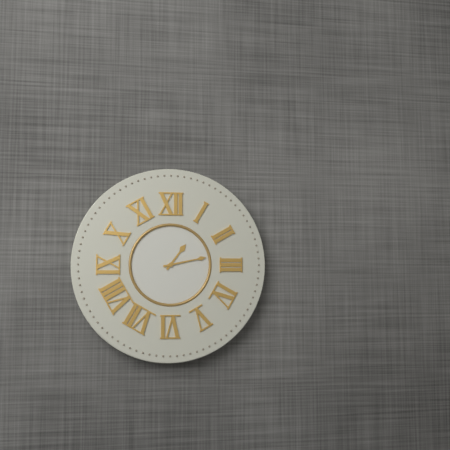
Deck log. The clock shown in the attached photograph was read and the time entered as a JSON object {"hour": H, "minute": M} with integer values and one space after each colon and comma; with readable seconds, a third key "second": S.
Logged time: {"hour": 1, "minute": 13}
